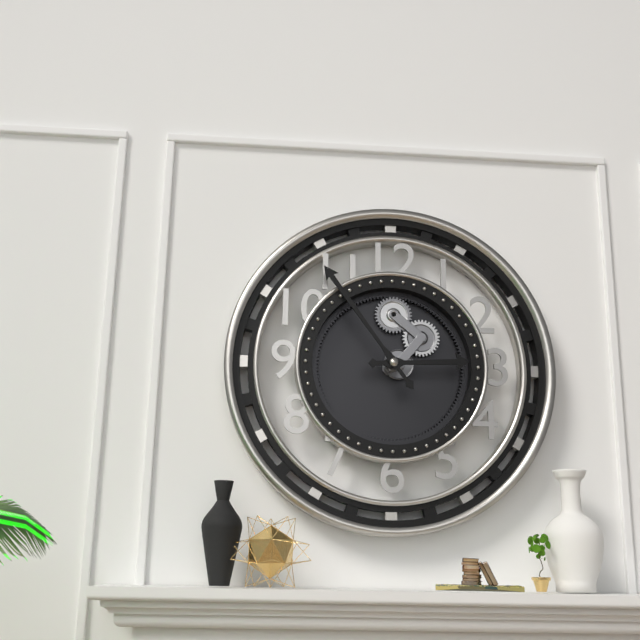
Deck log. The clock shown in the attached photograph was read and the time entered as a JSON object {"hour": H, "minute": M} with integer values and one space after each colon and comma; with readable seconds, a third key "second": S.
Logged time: {"hour": 2, "minute": 54}
